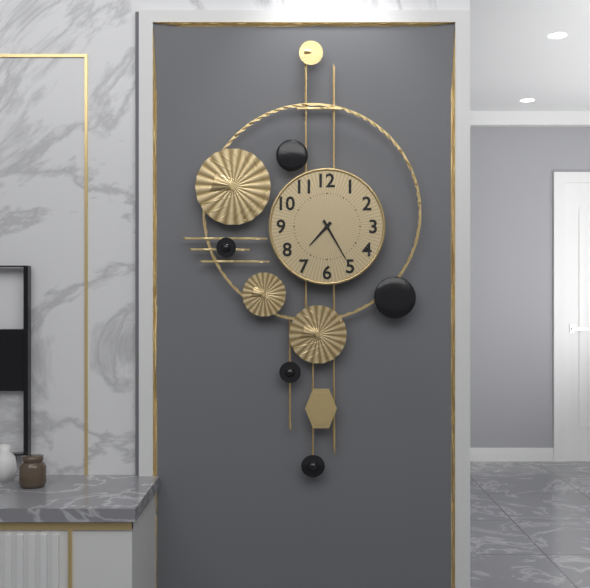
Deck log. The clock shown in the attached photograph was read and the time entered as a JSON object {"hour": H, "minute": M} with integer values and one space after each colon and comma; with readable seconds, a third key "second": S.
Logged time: {"hour": 7, "minute": 25}
